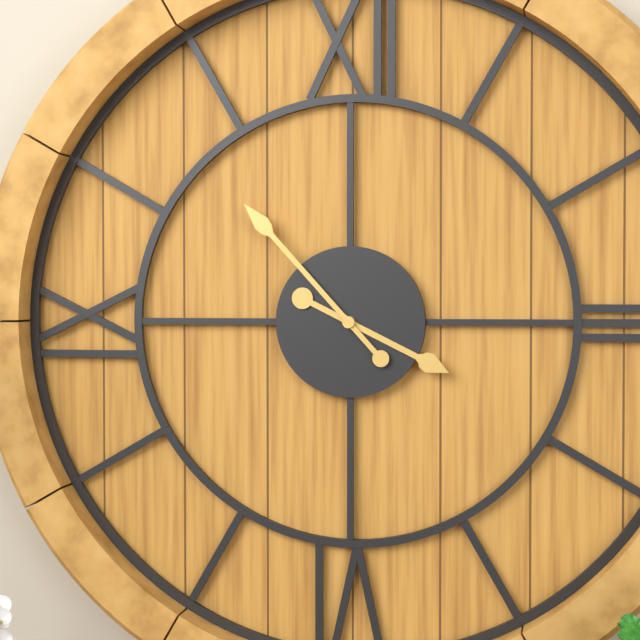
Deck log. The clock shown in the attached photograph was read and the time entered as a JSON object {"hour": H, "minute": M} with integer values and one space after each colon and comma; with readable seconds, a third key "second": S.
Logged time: {"hour": 3, "minute": 53}
